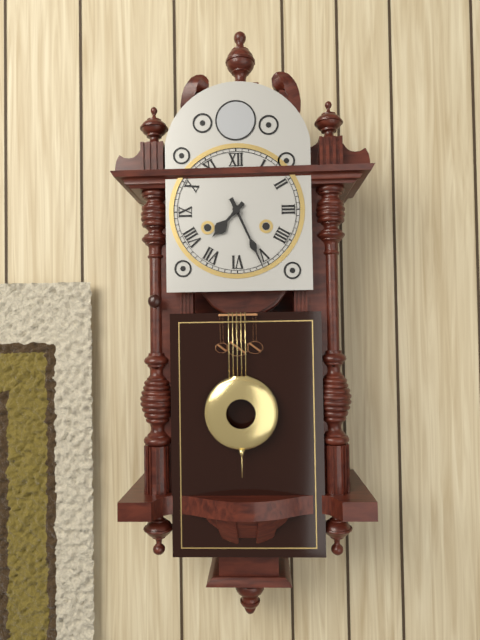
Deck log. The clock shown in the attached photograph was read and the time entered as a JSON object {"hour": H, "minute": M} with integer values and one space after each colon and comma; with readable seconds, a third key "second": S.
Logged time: {"hour": 7, "minute": 26}
